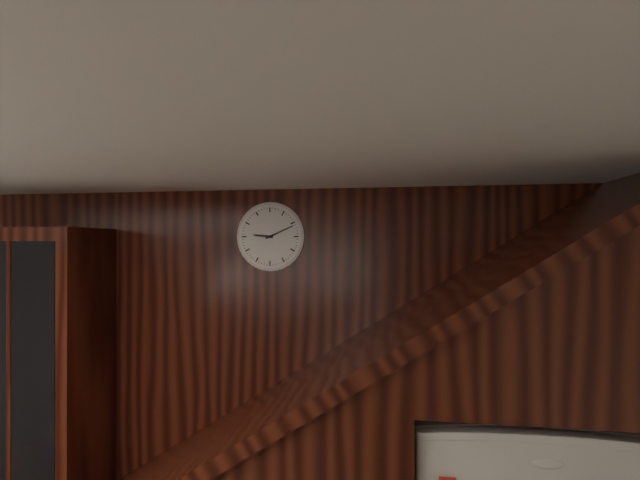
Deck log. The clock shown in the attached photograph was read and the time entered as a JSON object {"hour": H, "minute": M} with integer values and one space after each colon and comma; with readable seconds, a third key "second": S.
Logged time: {"hour": 9, "minute": 11}
